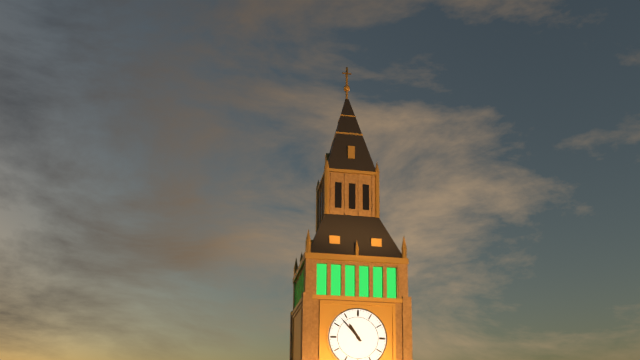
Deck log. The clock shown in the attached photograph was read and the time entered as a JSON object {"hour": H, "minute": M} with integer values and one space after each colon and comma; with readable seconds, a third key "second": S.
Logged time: {"hour": 10, "minute": 53}
